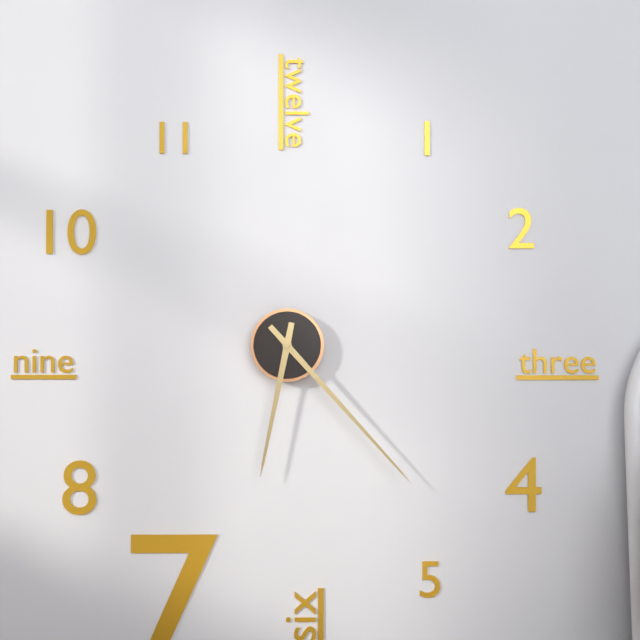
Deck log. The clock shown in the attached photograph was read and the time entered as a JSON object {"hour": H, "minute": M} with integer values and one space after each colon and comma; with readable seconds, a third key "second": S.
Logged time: {"hour": 6, "minute": 23}
